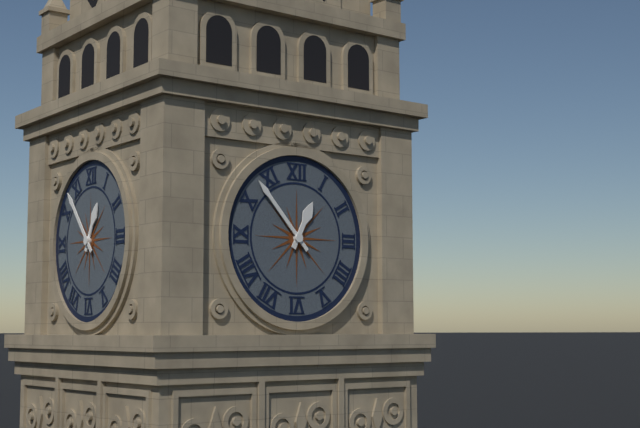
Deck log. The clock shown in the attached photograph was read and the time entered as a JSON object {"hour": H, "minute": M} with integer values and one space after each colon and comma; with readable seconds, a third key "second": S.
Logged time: {"hour": 12, "minute": 53}
